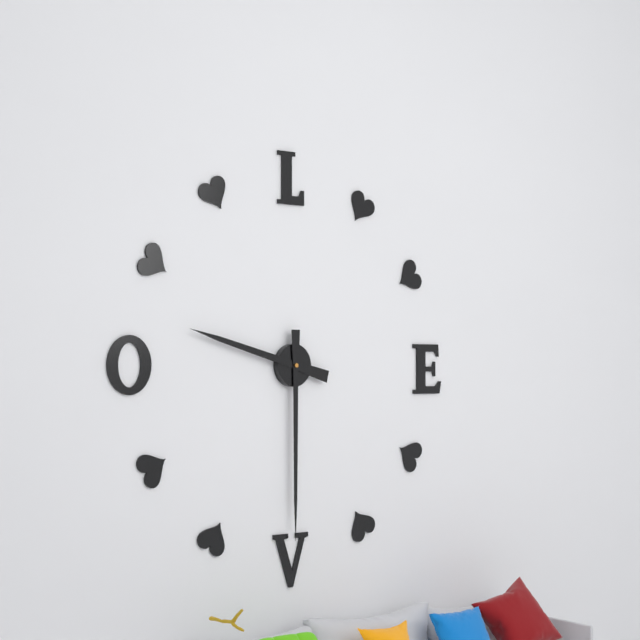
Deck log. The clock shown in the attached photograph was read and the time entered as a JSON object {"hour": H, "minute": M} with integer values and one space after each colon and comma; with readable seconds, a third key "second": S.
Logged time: {"hour": 9, "minute": 30}
